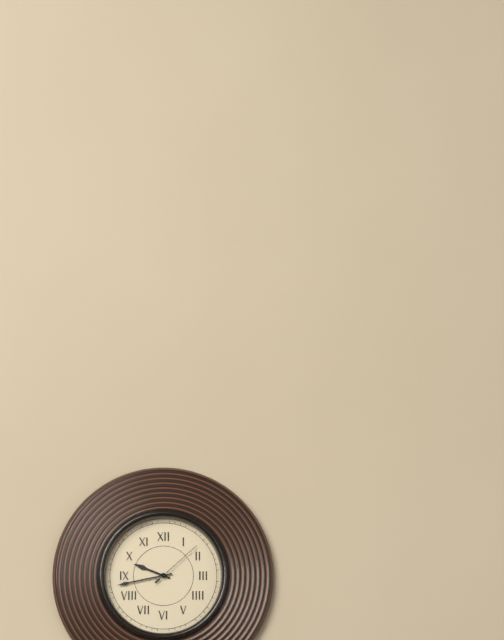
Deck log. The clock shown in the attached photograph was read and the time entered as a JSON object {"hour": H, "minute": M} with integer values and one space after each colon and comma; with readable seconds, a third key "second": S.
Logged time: {"hour": 9, "minute": 43, "second": 8}
